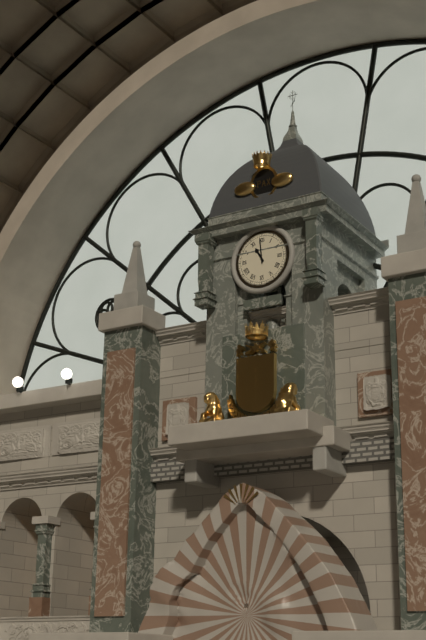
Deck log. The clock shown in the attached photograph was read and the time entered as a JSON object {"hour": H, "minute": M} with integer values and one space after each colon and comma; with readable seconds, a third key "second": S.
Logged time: {"hour": 10, "minute": 59}
